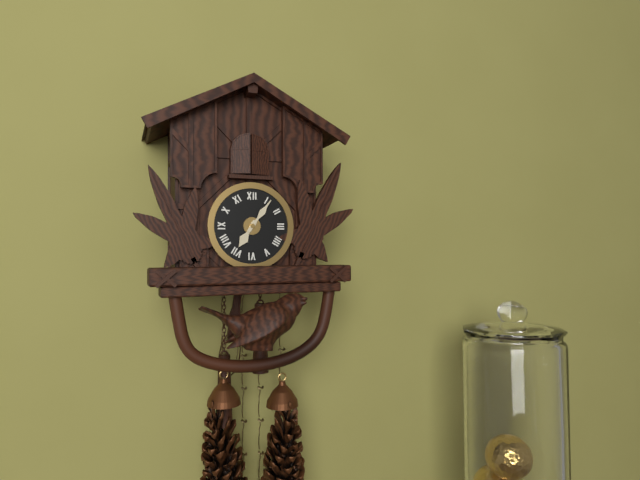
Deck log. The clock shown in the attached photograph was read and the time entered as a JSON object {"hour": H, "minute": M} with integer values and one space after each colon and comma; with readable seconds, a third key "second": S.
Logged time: {"hour": 7, "minute": 6}
